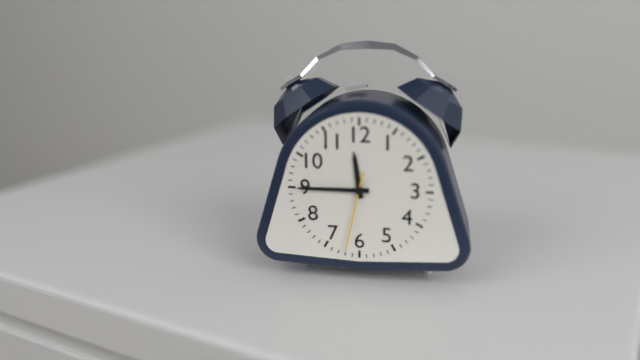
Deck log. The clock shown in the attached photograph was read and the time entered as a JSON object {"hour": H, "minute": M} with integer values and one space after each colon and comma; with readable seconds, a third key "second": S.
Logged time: {"hour": 11, "minute": 45, "second": 32}
